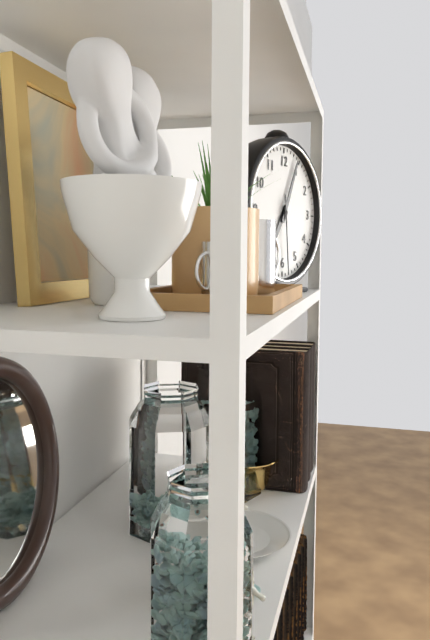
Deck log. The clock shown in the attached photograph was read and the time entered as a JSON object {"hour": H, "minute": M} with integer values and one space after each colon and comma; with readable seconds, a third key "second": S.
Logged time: {"hour": 7, "minute": 4, "second": 29}
